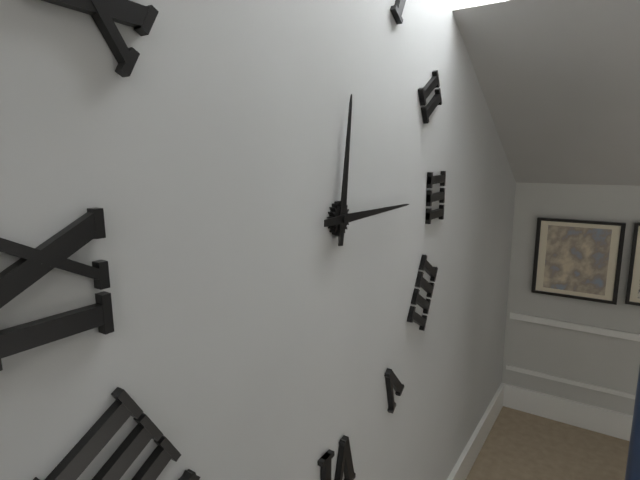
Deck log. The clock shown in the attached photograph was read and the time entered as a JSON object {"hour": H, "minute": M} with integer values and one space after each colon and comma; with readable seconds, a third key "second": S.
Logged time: {"hour": 12, "minute": 15}
